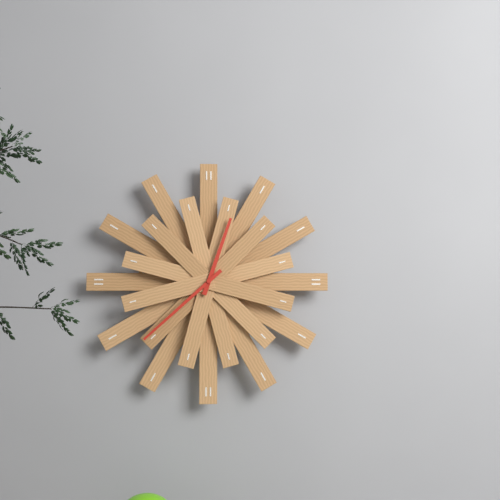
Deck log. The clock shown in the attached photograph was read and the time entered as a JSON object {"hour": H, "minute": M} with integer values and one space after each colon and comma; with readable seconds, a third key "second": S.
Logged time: {"hour": 12, "minute": 38}
